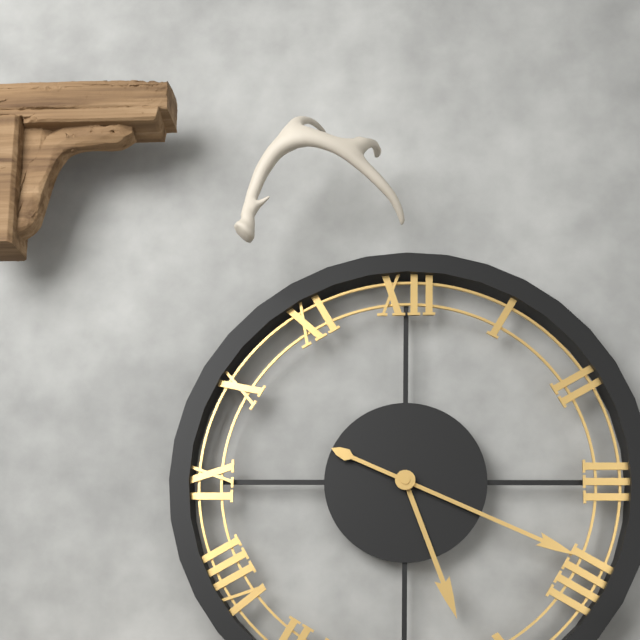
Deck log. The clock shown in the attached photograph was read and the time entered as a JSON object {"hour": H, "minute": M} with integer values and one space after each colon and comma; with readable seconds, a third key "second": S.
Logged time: {"hour": 5, "minute": 19}
